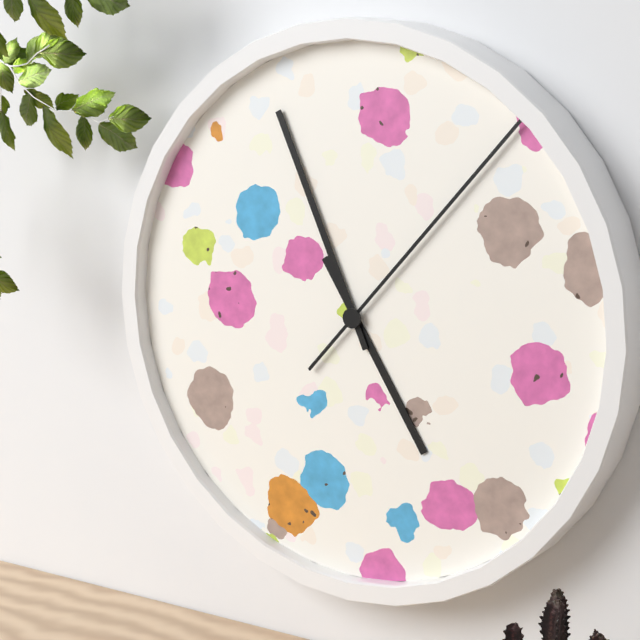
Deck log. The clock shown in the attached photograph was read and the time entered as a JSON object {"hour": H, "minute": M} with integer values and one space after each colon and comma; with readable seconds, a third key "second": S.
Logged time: {"hour": 4, "minute": 56, "second": 7}
